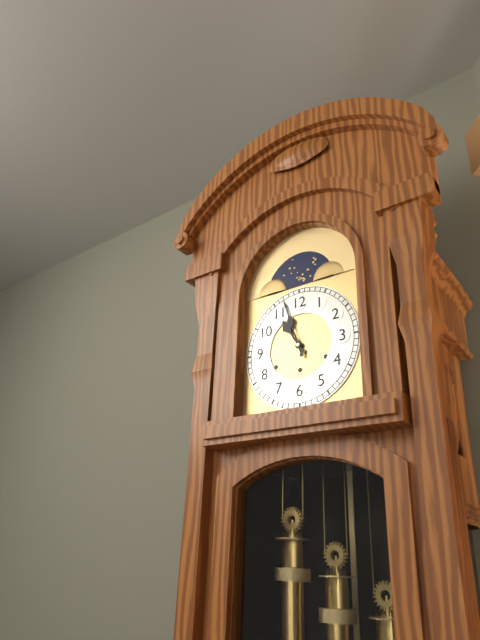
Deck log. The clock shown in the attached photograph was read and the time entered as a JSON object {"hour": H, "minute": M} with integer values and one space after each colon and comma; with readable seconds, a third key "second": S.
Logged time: {"hour": 10, "minute": 57}
